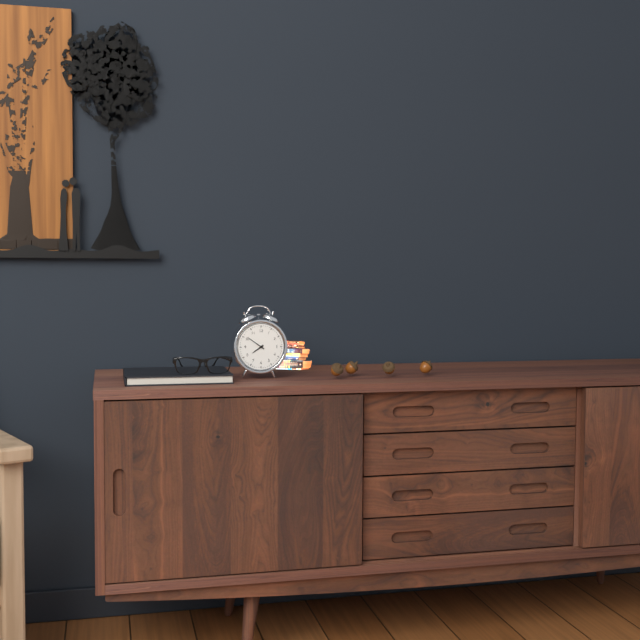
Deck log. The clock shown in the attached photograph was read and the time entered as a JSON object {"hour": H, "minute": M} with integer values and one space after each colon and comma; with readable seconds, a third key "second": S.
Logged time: {"hour": 7, "minute": 51}
